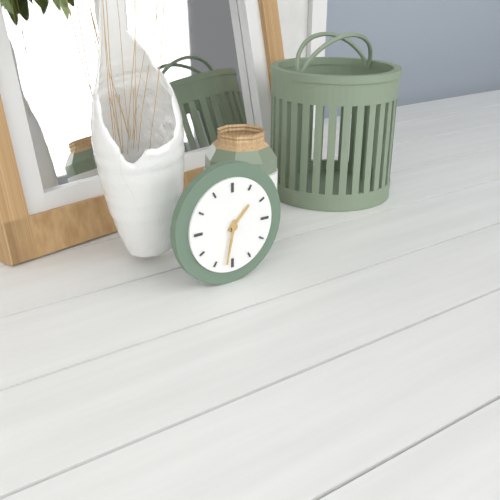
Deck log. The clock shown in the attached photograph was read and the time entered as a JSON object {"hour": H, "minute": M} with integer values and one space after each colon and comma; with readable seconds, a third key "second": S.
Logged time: {"hour": 1, "minute": 32}
